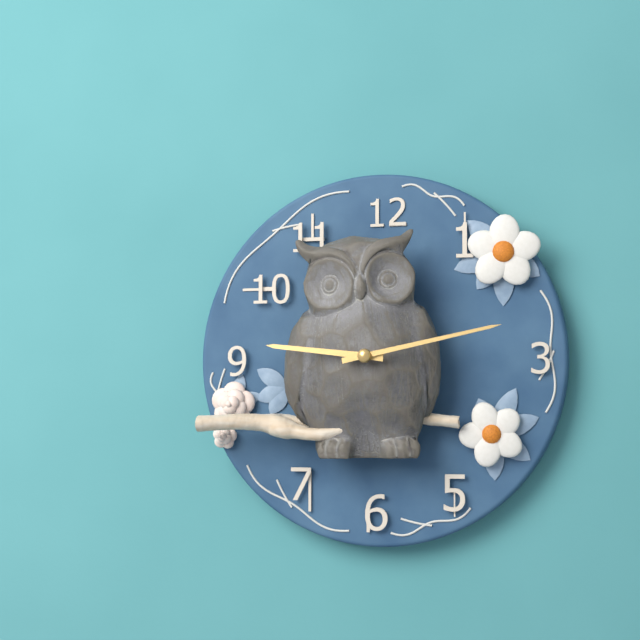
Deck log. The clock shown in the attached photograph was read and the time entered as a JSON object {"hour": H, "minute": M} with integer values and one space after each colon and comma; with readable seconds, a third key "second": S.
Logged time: {"hour": 9, "minute": 13}
